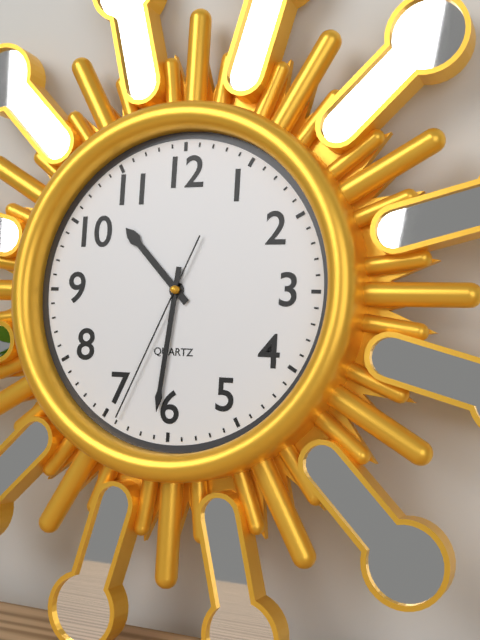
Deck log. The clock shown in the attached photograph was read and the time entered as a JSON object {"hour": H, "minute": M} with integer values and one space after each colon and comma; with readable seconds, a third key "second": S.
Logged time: {"hour": 10, "minute": 31, "second": 34}
